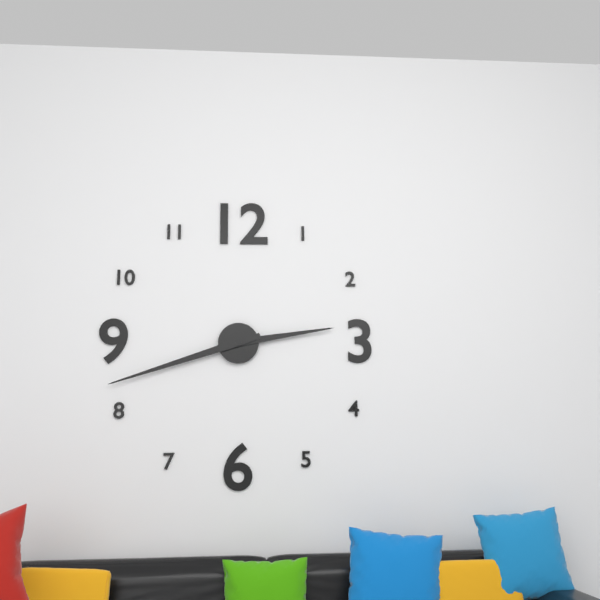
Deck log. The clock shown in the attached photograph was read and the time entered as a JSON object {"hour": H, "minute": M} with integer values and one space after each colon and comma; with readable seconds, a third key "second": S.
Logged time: {"hour": 2, "minute": 42}
